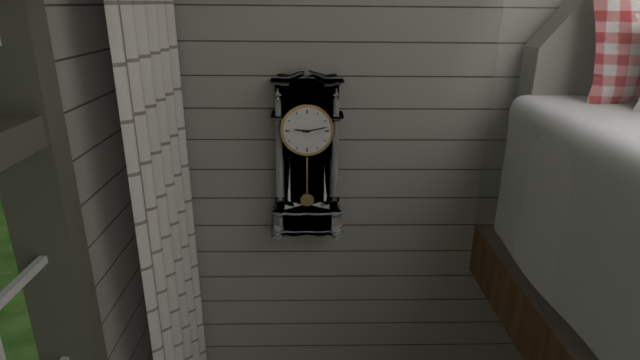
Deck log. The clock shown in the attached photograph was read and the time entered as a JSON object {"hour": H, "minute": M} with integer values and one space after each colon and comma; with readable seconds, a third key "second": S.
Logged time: {"hour": 9, "minute": 13}
